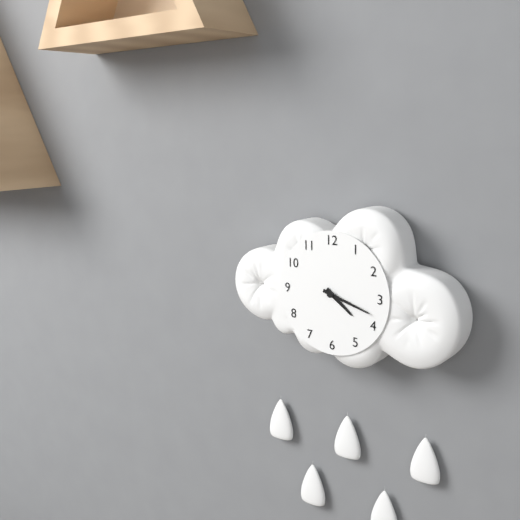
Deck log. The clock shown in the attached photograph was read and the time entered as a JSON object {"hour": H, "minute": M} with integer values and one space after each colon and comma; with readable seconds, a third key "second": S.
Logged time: {"hour": 4, "minute": 18}
